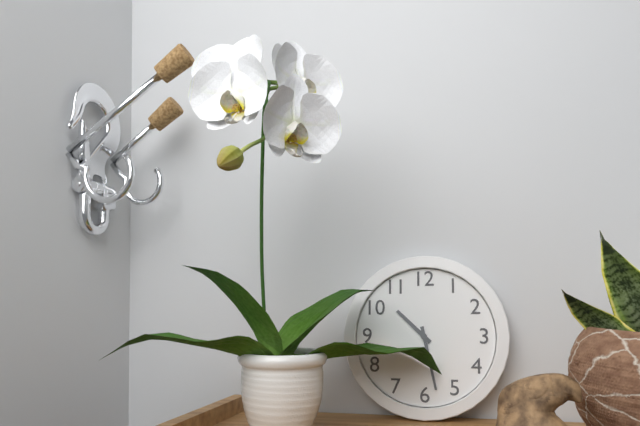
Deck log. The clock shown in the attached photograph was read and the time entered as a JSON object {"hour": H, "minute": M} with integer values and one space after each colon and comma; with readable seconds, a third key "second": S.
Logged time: {"hour": 10, "minute": 28}
